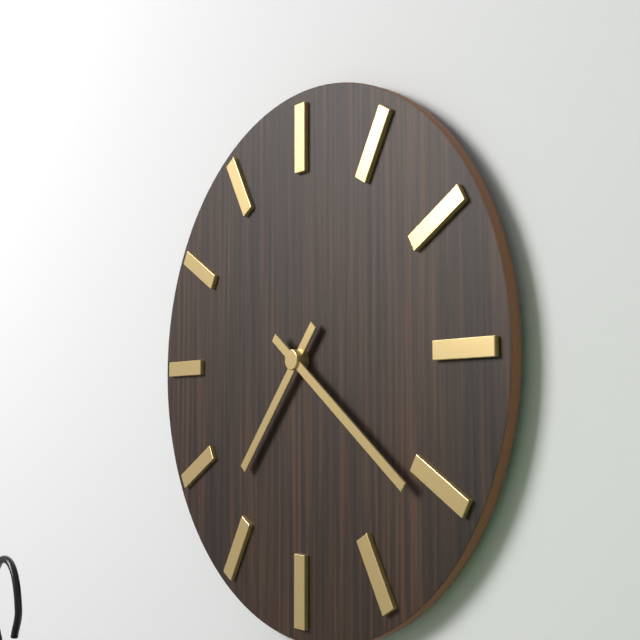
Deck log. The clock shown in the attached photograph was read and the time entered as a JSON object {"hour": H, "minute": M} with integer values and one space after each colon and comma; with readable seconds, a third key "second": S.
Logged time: {"hour": 7, "minute": 21}
